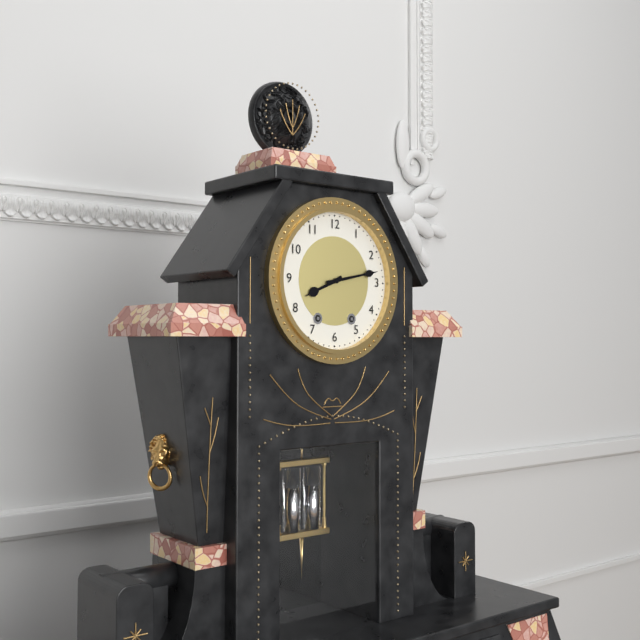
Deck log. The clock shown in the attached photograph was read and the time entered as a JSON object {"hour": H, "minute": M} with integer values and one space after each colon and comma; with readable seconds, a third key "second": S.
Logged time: {"hour": 8, "minute": 13}
